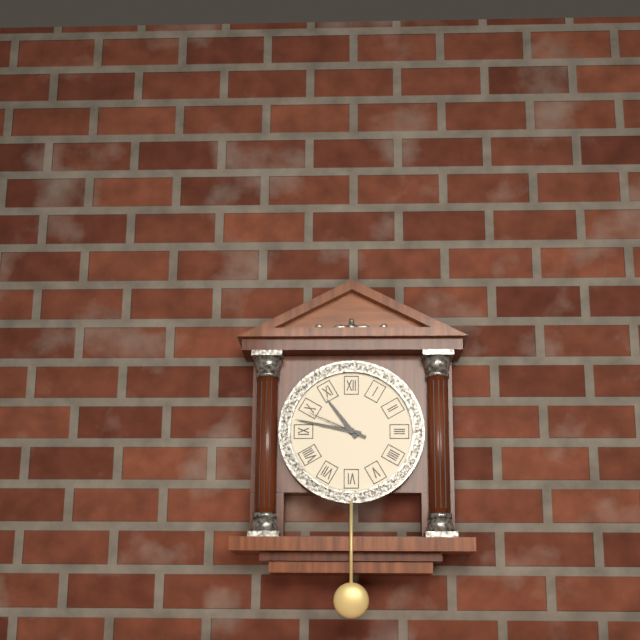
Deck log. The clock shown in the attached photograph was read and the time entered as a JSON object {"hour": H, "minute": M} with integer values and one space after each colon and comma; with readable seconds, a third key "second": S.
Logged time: {"hour": 10, "minute": 47, "second": 49}
